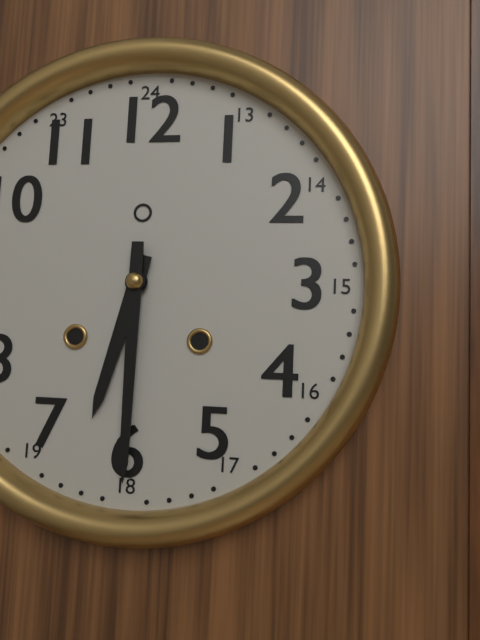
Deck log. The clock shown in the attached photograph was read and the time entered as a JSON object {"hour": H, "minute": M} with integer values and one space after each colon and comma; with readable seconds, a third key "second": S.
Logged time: {"hour": 6, "minute": 30}
